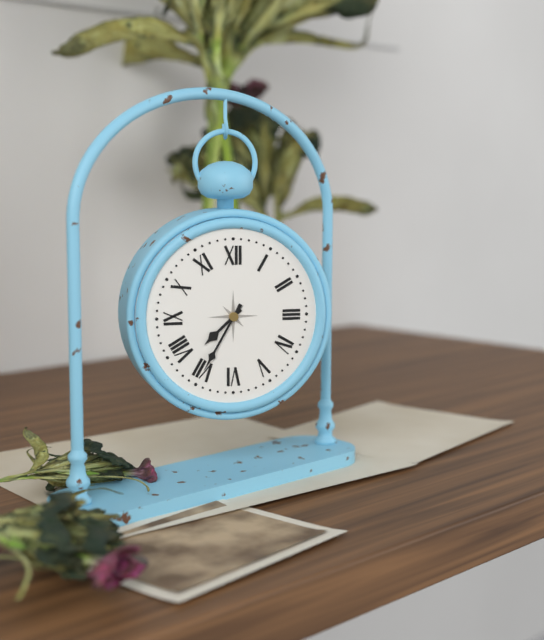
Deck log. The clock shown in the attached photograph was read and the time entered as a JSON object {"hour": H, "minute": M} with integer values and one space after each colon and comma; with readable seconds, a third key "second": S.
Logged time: {"hour": 7, "minute": 35}
